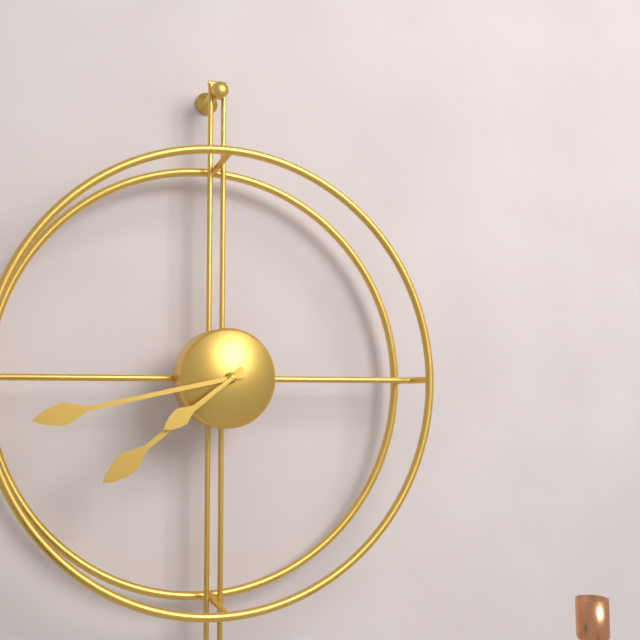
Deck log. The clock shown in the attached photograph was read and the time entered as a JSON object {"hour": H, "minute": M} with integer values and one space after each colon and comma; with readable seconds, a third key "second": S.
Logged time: {"hour": 7, "minute": 43, "second": 39}
